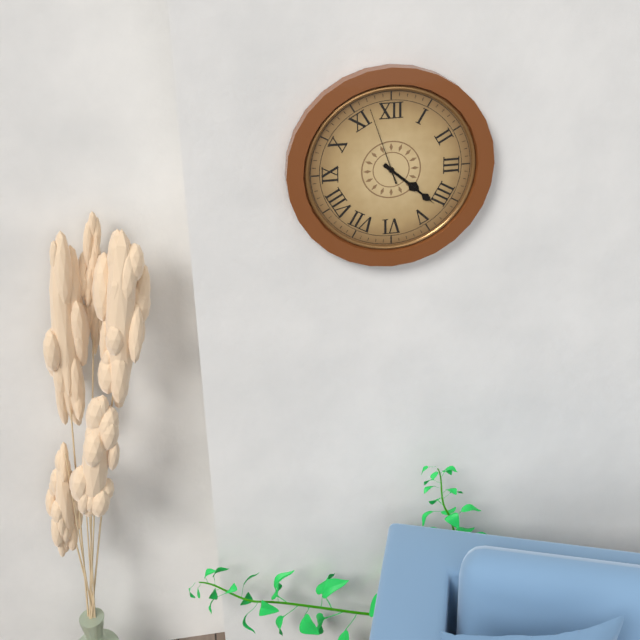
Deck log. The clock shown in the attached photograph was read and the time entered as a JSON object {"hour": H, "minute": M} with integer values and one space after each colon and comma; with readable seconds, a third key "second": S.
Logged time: {"hour": 4, "minute": 22, "second": 57}
